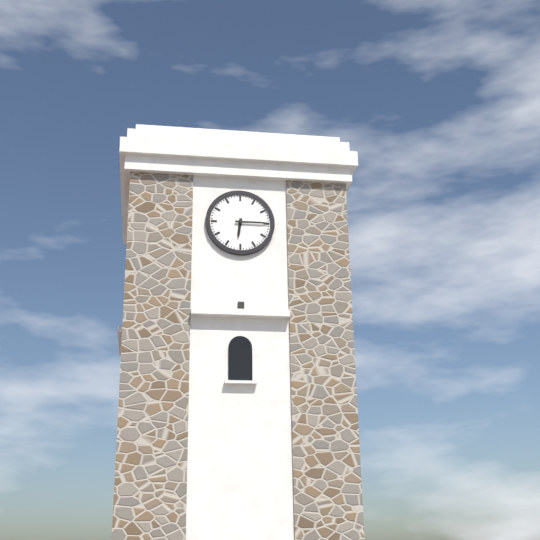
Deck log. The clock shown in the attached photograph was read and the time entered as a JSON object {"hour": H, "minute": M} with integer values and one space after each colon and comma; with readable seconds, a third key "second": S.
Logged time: {"hour": 6, "minute": 15}
